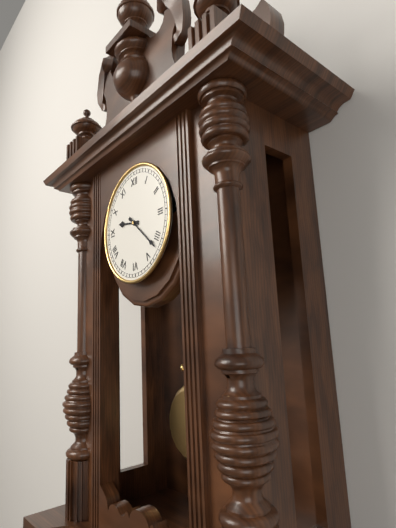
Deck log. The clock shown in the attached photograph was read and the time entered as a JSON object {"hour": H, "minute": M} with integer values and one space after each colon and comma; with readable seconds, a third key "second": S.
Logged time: {"hour": 9, "minute": 22}
